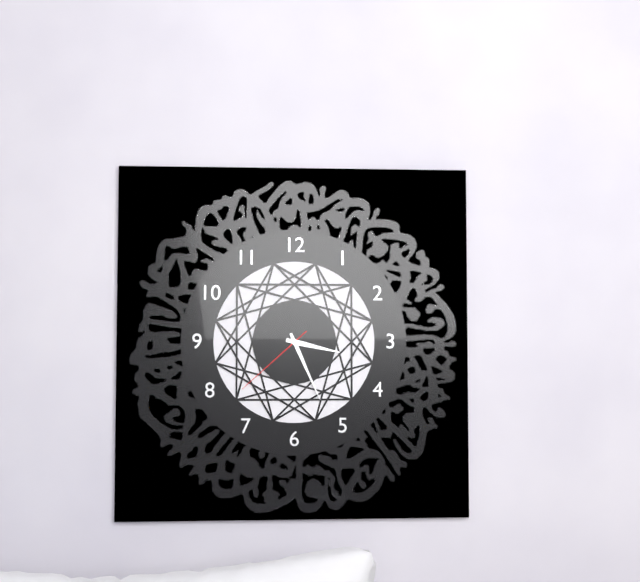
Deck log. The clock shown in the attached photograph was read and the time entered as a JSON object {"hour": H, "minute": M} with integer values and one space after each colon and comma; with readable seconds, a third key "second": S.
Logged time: {"hour": 3, "minute": 26, "second": 38}
